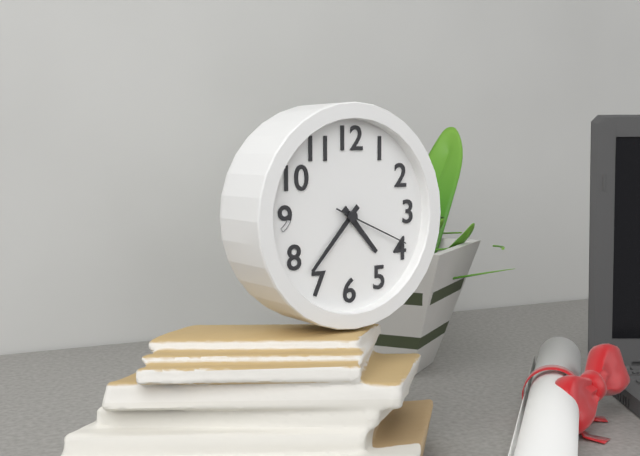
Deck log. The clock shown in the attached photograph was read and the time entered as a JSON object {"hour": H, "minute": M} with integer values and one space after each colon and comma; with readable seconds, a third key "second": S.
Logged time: {"hour": 4, "minute": 37, "second": 19}
